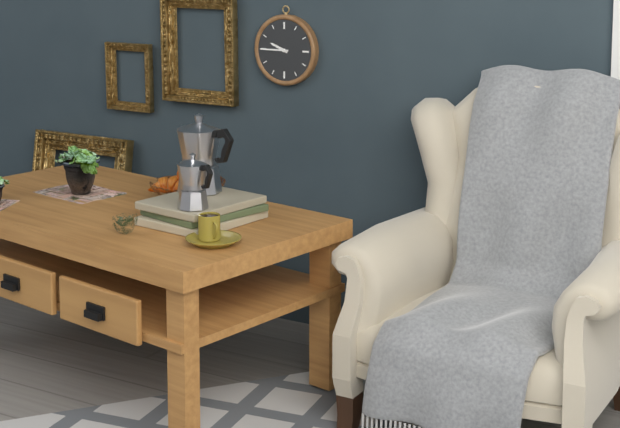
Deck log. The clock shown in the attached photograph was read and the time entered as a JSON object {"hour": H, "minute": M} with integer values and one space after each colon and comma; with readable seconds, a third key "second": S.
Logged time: {"hour": 9, "minute": 45}
